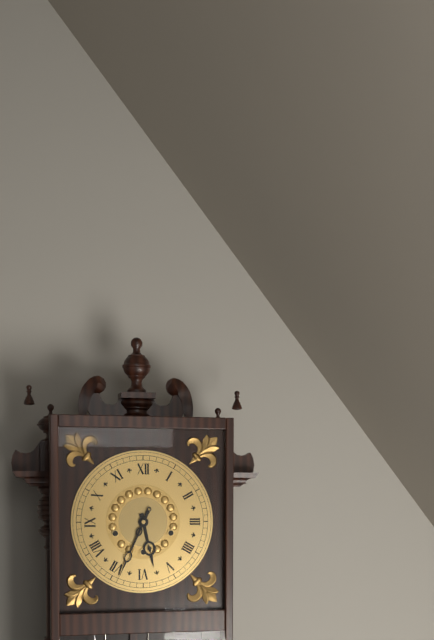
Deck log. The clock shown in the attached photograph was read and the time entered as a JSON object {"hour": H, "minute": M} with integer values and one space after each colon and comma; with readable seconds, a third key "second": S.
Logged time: {"hour": 5, "minute": 34}
